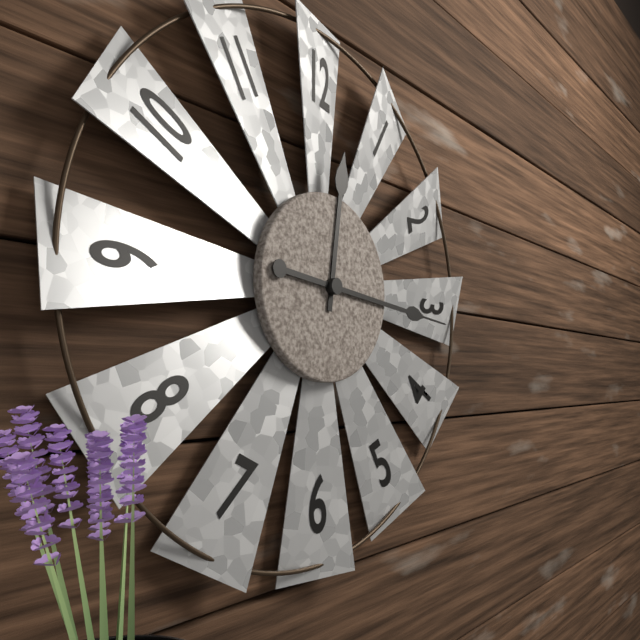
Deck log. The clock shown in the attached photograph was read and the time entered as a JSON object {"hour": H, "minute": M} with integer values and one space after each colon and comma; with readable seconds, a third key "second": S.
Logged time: {"hour": 12, "minute": 16}
